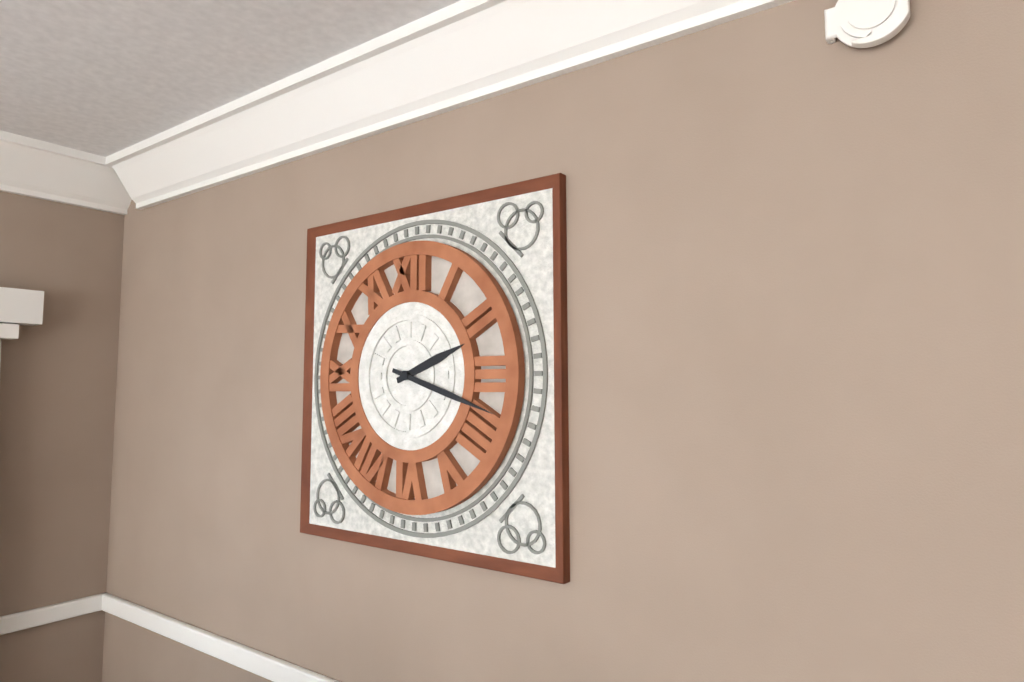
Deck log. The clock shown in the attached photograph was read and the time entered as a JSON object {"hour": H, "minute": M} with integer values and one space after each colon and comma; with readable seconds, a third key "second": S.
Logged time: {"hour": 2, "minute": 18}
